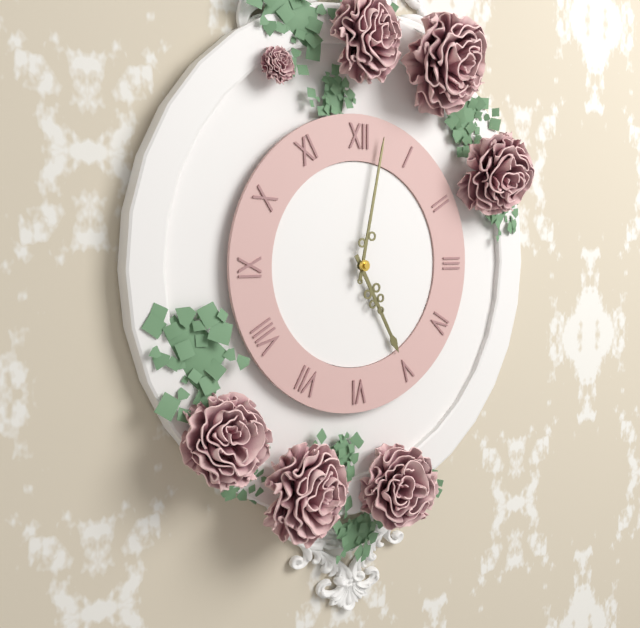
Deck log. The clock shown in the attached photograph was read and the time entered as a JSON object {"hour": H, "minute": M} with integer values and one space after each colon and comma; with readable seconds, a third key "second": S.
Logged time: {"hour": 5, "minute": 2}
